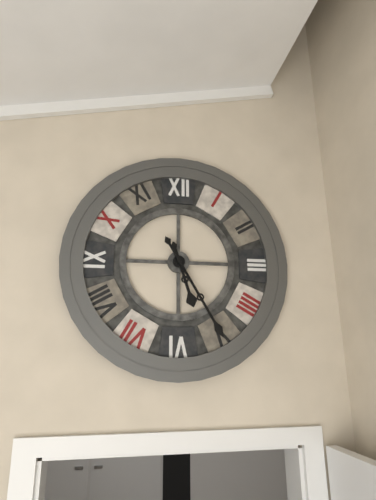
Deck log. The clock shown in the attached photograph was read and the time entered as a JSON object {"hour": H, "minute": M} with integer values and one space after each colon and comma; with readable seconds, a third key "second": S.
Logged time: {"hour": 5, "minute": 25}
